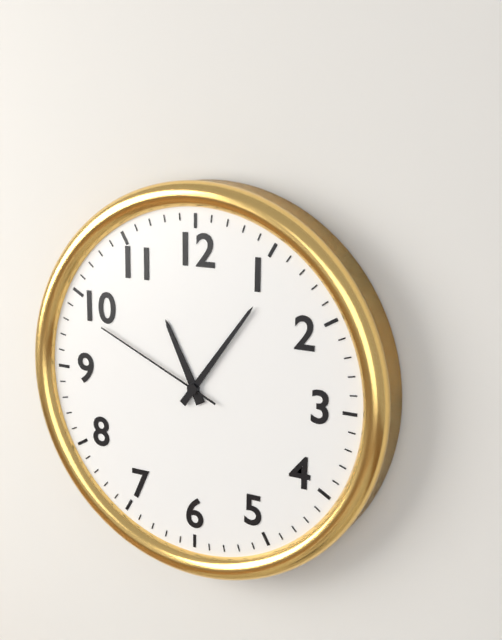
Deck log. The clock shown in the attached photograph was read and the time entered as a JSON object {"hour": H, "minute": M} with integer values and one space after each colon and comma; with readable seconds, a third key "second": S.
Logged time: {"hour": 11, "minute": 6, "second": 49}
